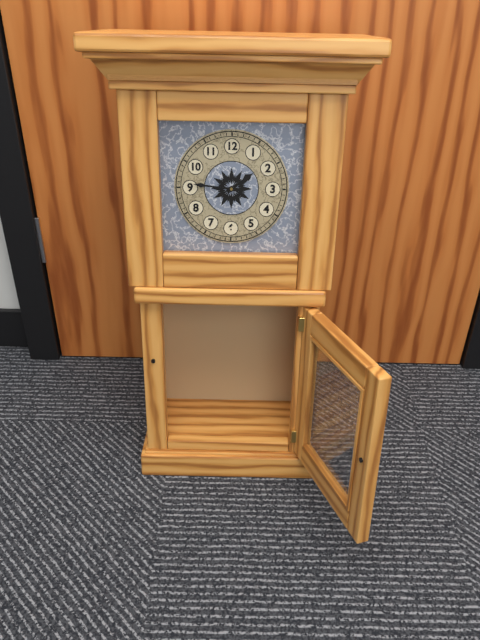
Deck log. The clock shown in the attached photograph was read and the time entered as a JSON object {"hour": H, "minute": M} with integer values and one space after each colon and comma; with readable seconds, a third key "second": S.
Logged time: {"hour": 1, "minute": 46}
